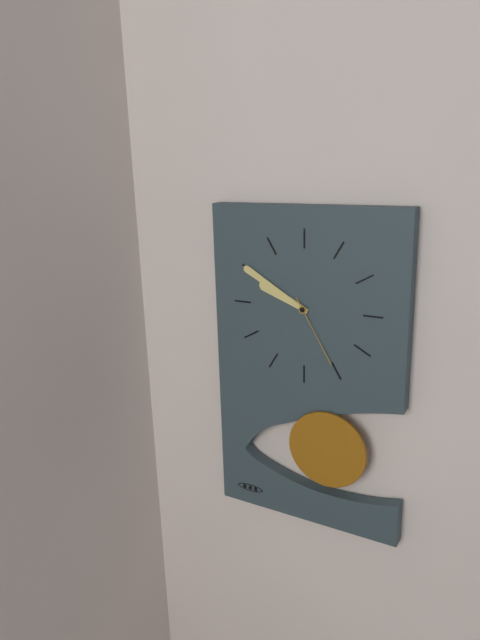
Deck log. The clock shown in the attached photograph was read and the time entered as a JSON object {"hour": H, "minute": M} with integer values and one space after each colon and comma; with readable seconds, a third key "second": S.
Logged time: {"hour": 9, "minute": 50, "second": 25}
